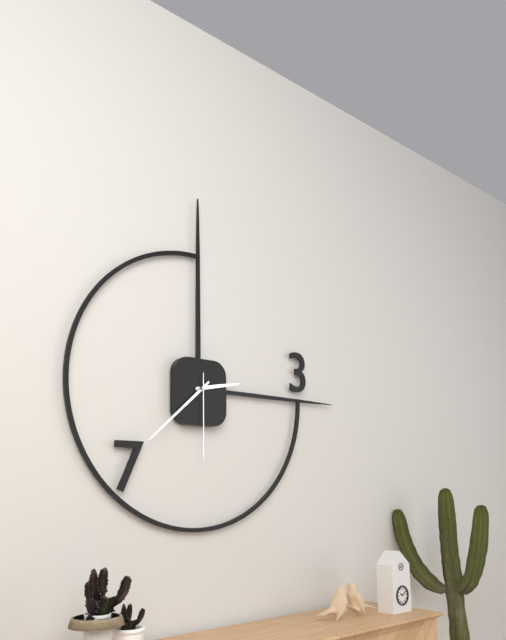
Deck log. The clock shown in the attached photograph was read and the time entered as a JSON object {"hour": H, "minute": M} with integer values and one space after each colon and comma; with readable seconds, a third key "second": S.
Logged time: {"hour": 2, "minute": 38, "second": 30}
